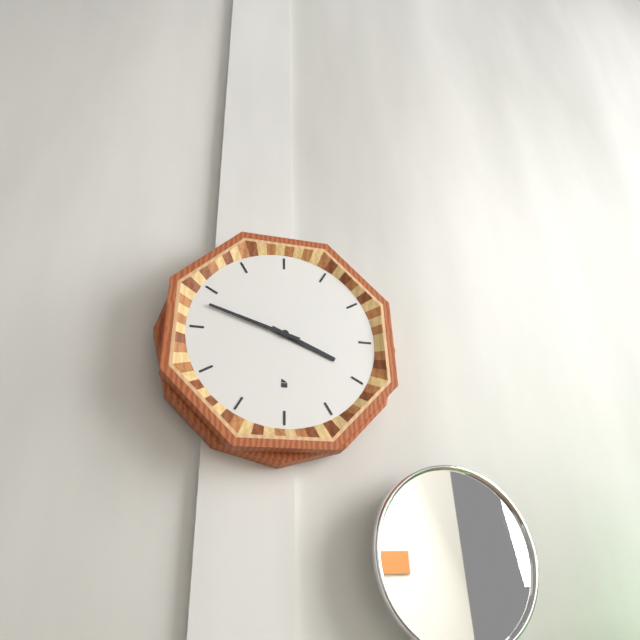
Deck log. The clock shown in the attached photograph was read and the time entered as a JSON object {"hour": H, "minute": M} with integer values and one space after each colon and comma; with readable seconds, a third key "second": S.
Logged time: {"hour": 3, "minute": 48}
